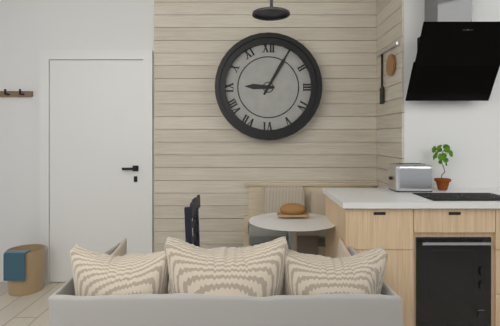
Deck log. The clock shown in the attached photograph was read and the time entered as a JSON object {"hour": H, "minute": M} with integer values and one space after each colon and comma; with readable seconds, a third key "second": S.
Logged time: {"hour": 9, "minute": 5}
